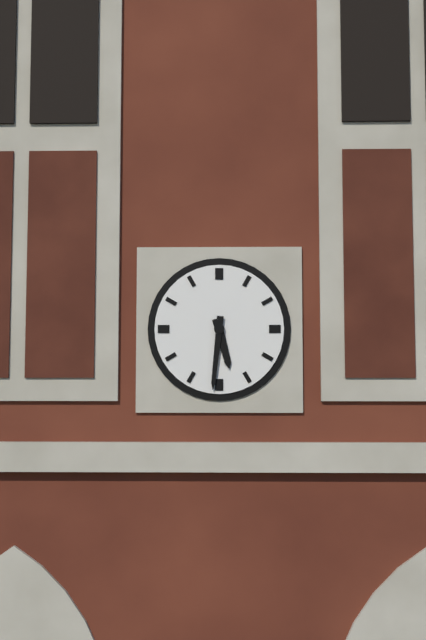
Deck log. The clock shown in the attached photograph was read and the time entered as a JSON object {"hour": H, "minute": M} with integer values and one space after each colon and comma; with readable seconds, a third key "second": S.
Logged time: {"hour": 5, "minute": 31}
